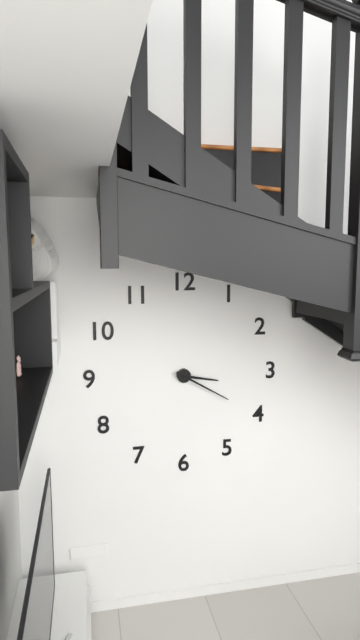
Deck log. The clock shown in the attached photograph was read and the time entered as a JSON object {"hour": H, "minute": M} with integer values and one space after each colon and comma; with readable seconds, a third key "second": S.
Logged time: {"hour": 3, "minute": 20}
